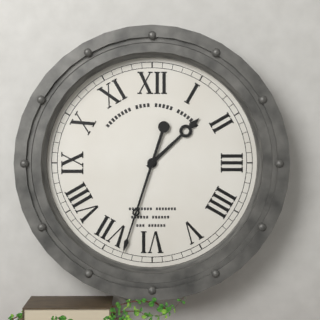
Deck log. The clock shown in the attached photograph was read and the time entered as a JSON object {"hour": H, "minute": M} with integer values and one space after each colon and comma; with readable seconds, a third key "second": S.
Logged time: {"hour": 1, "minute": 33}
